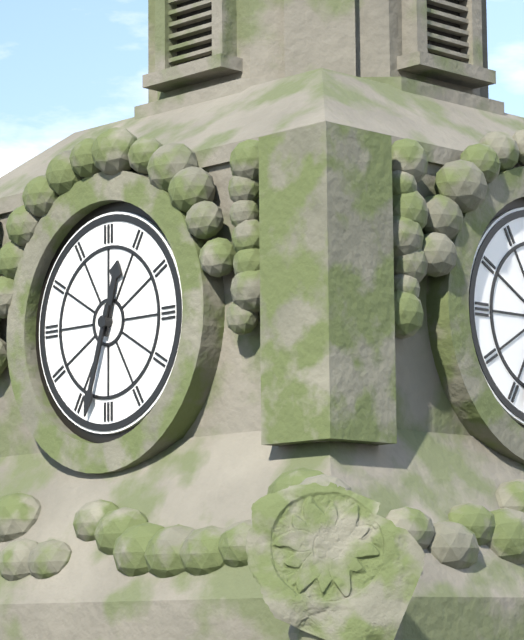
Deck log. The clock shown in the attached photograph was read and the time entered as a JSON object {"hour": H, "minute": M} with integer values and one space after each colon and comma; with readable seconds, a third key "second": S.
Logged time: {"hour": 12, "minute": 33}
